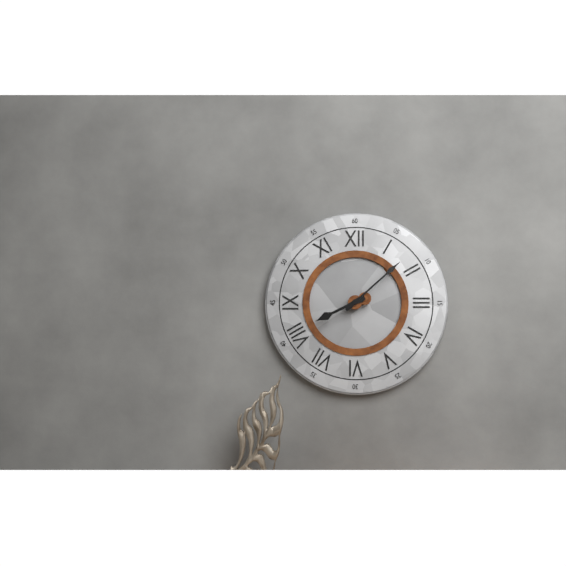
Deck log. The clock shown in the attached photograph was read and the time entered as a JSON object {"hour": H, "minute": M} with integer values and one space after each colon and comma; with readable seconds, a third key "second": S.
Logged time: {"hour": 8, "minute": 8}
